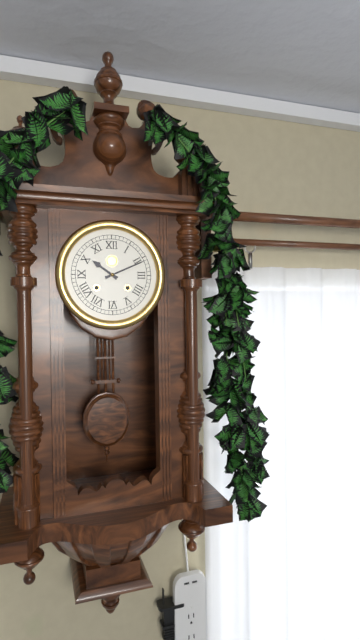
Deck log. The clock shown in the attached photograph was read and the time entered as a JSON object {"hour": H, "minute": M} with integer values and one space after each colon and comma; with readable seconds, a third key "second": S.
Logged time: {"hour": 10, "minute": 11}
